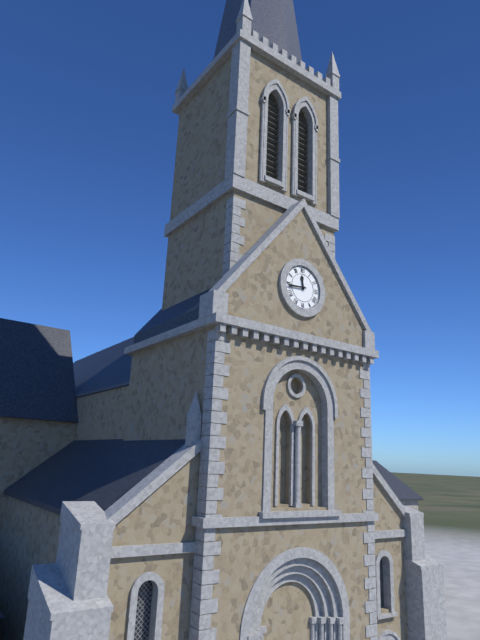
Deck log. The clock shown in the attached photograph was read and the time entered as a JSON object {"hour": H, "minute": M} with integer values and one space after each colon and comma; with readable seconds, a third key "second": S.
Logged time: {"hour": 11, "minute": 44}
